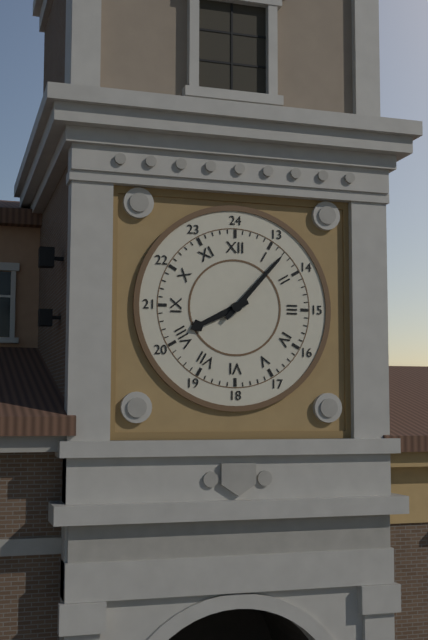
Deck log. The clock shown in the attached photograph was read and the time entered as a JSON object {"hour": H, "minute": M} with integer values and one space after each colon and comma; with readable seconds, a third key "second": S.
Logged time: {"hour": 8, "minute": 7}
